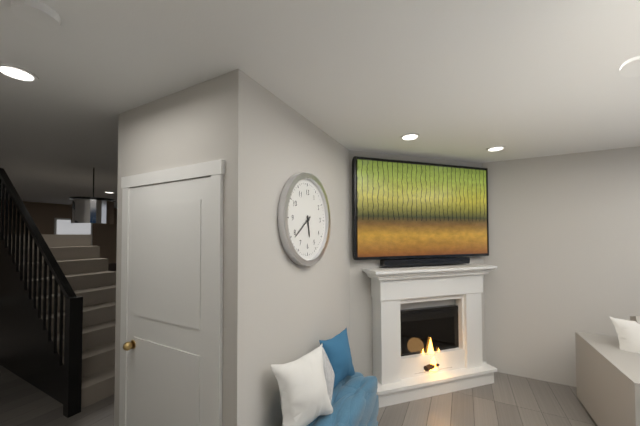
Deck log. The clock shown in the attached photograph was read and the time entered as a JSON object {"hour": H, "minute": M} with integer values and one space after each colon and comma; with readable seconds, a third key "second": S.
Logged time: {"hour": 5, "minute": 39}
